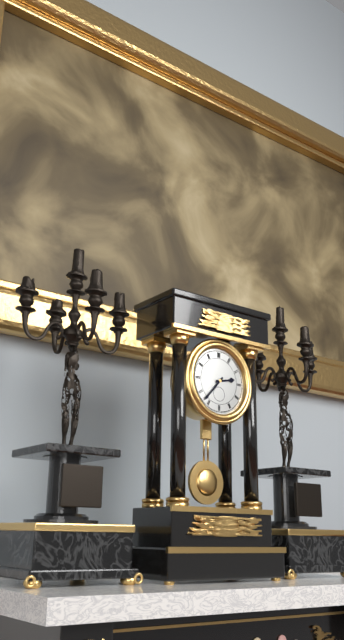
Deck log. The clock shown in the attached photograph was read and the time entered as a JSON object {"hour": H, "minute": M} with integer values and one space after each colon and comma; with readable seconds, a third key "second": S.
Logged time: {"hour": 2, "minute": 37}
